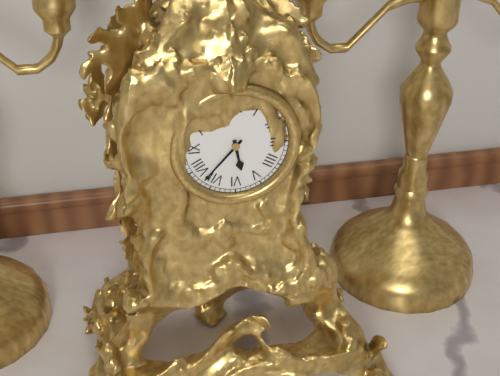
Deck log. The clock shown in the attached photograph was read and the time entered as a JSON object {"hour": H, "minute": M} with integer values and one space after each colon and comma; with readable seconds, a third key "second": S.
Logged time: {"hour": 5, "minute": 37}
